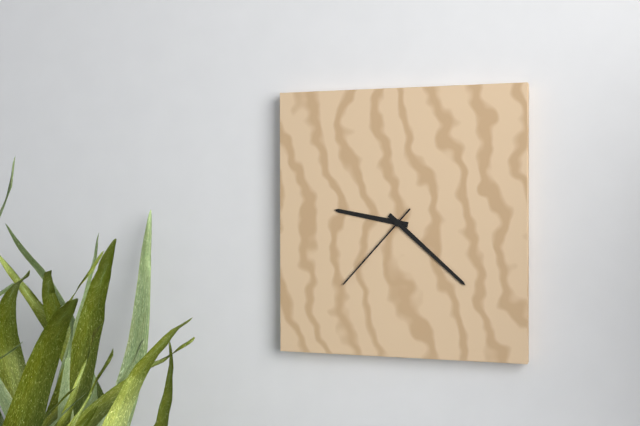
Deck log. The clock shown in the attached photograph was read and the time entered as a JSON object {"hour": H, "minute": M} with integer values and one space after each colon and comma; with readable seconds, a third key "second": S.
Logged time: {"hour": 9, "minute": 22, "second": 37}
